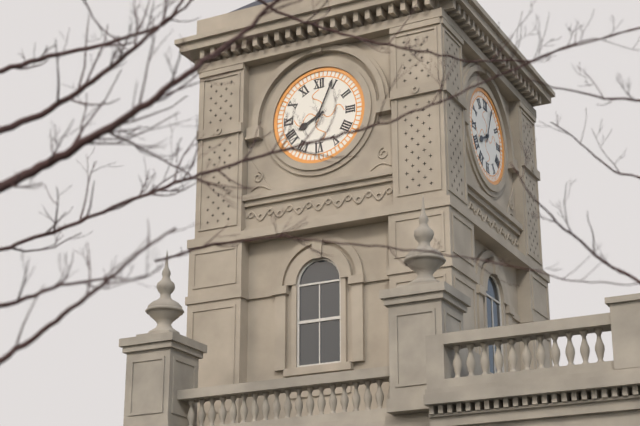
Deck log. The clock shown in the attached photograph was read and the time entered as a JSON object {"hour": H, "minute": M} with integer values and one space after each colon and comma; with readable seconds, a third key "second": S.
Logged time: {"hour": 8, "minute": 4}
